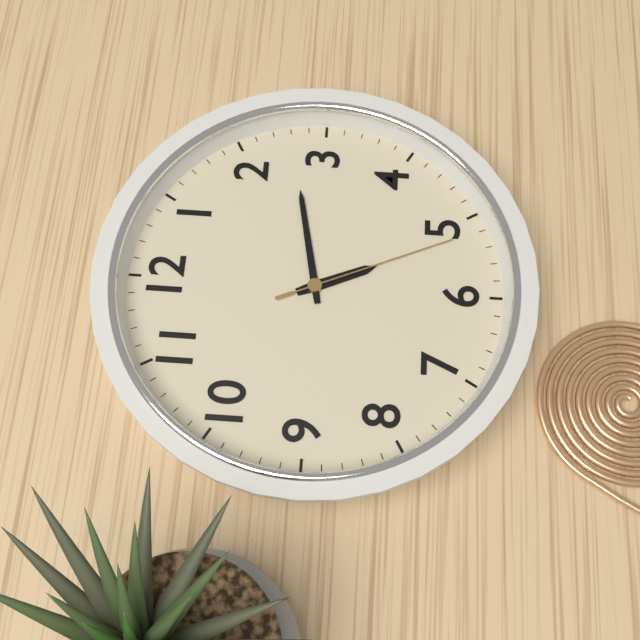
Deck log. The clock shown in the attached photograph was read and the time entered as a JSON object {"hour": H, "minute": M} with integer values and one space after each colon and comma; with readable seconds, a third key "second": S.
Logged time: {"hour": 5, "minute": 13, "second": 26}
